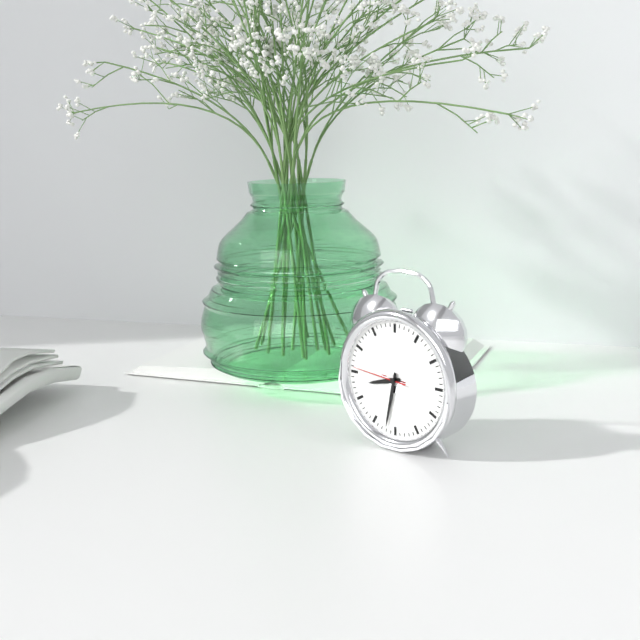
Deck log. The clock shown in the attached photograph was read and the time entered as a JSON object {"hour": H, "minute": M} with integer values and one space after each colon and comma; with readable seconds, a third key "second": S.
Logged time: {"hour": 8, "minute": 32, "second": 46}
